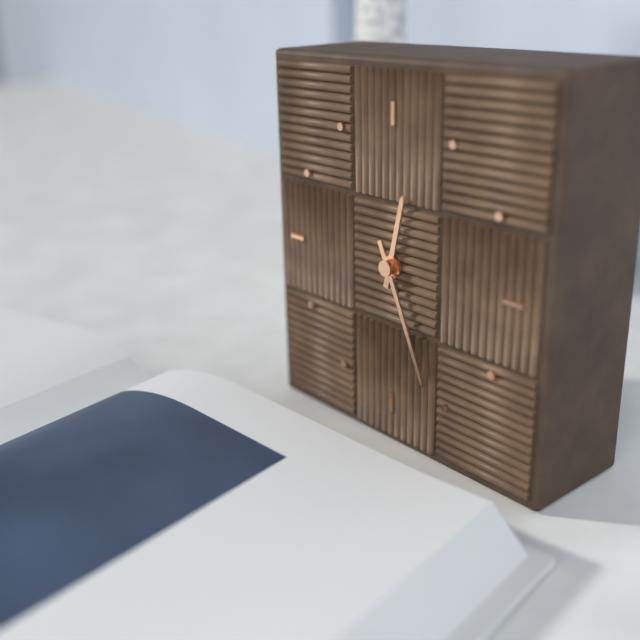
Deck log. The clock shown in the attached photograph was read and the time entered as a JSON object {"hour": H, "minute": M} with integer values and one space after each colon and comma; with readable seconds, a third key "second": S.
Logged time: {"hour": 12, "minute": 26}
